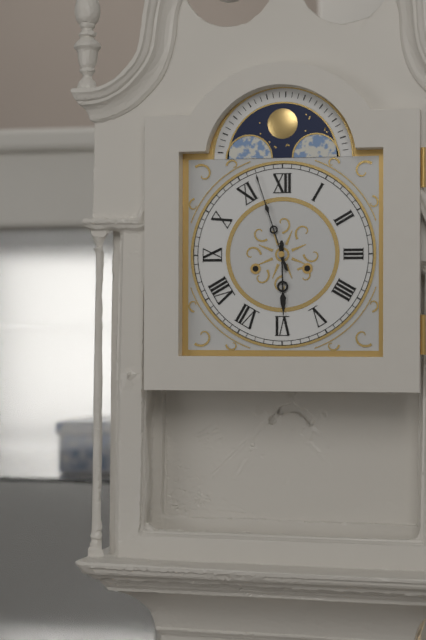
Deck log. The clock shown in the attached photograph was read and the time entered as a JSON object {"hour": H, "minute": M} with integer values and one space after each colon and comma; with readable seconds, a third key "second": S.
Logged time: {"hour": 5, "minute": 57}
